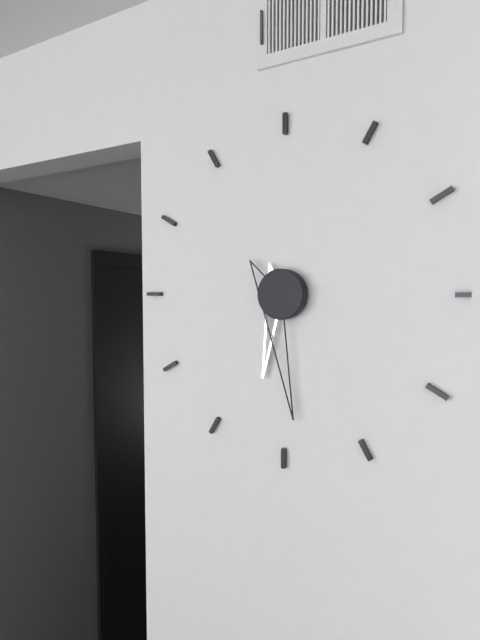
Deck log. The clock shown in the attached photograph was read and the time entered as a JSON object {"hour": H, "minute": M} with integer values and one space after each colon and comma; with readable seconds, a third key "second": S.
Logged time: {"hour": 6, "minute": 29}
